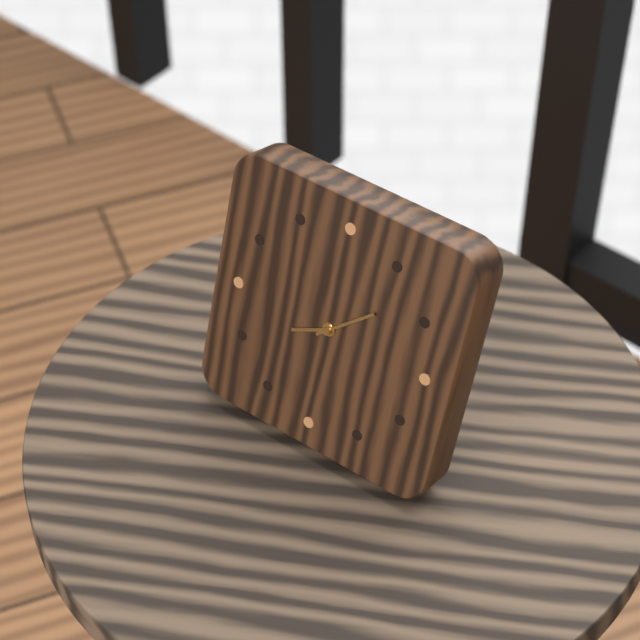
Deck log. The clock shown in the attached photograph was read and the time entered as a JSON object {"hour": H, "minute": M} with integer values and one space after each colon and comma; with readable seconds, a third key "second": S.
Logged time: {"hour": 8, "minute": 8}
